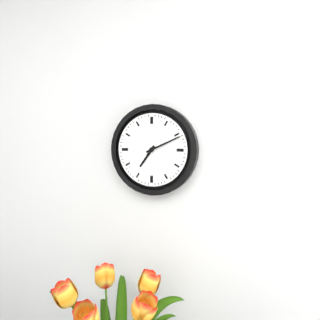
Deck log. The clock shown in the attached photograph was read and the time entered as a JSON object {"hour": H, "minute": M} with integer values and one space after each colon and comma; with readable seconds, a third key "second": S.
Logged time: {"hour": 7, "minute": 11}
